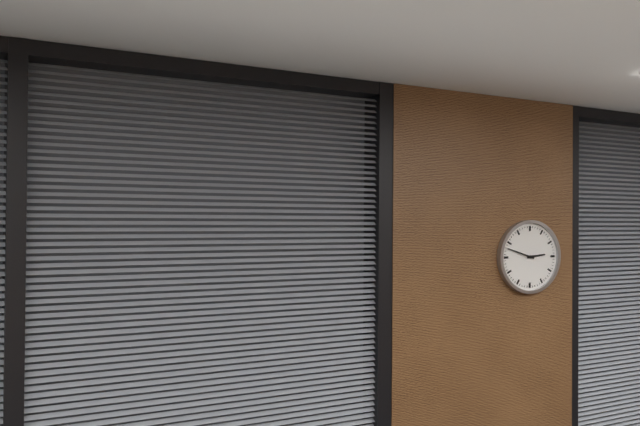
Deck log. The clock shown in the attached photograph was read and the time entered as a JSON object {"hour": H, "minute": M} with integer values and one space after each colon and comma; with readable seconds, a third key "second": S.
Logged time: {"hour": 2, "minute": 48}
